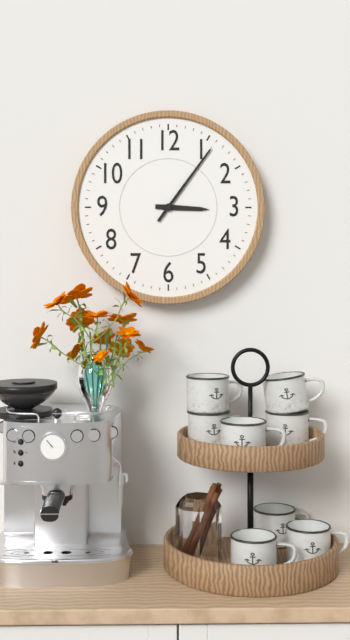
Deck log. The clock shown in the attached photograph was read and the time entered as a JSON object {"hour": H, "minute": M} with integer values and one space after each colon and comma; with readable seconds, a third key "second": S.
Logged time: {"hour": 3, "minute": 6}
